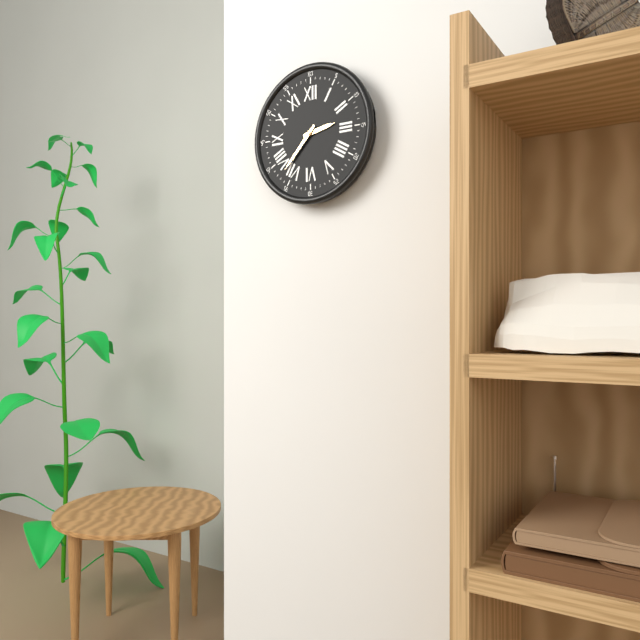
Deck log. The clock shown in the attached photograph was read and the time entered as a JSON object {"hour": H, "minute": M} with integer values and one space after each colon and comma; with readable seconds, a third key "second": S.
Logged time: {"hour": 2, "minute": 37}
